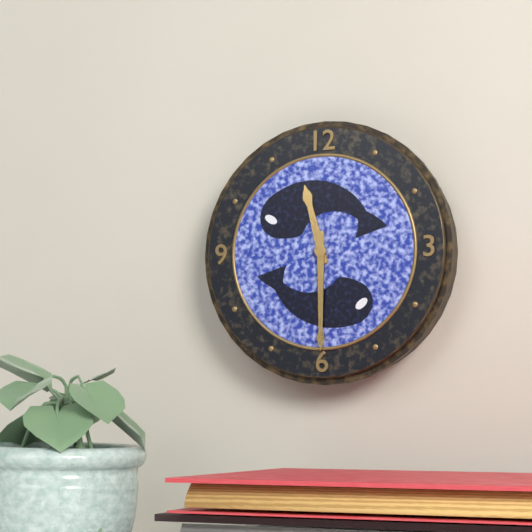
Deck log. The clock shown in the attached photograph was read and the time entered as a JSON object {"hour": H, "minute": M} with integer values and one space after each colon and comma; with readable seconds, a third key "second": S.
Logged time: {"hour": 11, "minute": 30}
